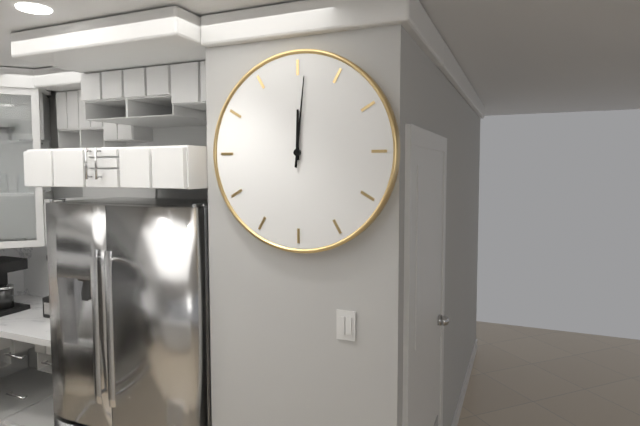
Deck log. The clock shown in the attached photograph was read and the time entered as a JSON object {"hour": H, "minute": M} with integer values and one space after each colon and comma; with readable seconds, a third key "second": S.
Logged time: {"hour": 12, "minute": 1}
